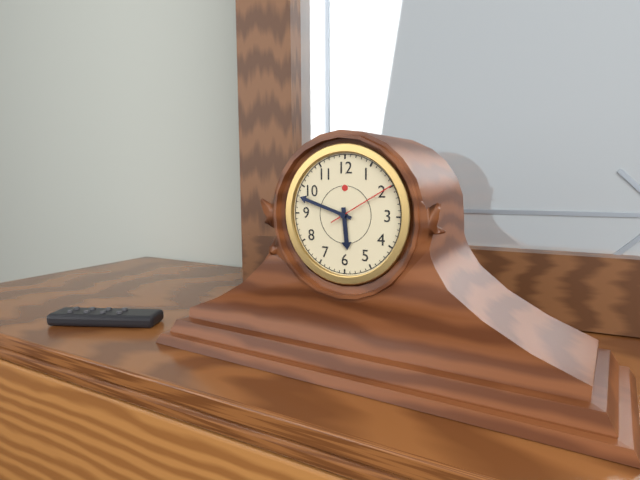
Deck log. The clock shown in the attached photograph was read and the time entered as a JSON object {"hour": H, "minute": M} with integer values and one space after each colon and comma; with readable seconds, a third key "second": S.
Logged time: {"hour": 5, "minute": 48, "second": 10}
